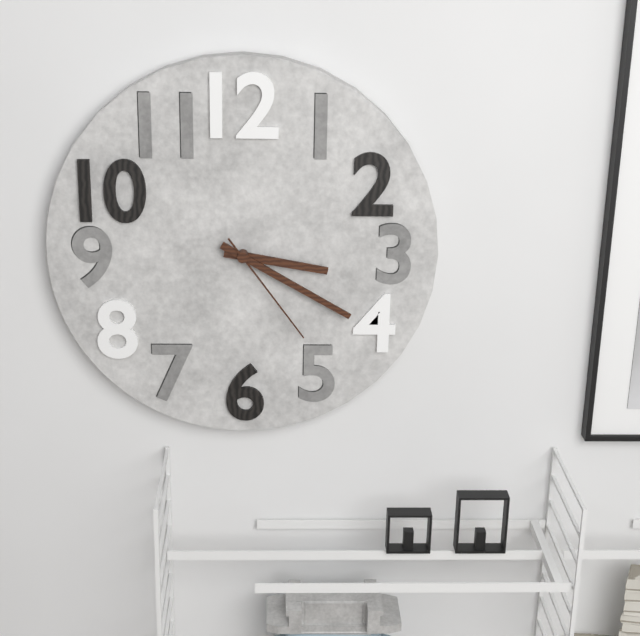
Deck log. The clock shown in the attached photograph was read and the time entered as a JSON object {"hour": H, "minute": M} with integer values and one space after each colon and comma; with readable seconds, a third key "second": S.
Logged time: {"hour": 3, "minute": 20, "second": 24}
